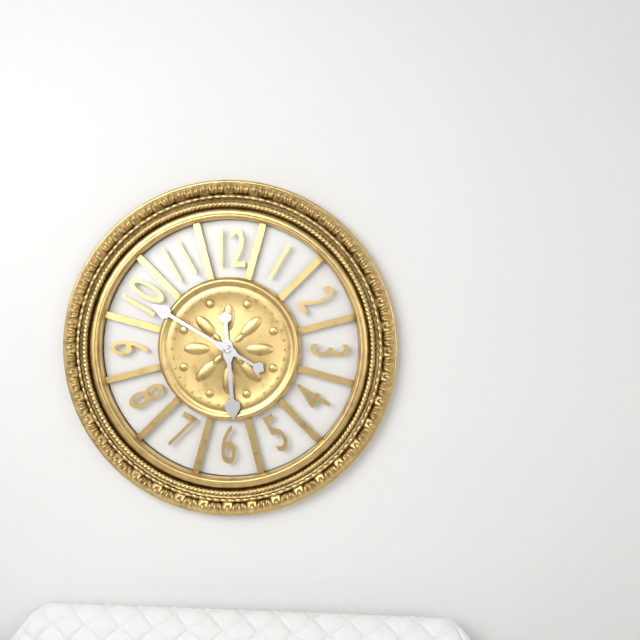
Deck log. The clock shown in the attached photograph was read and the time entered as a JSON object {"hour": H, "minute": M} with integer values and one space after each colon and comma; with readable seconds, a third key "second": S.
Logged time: {"hour": 5, "minute": 50}
